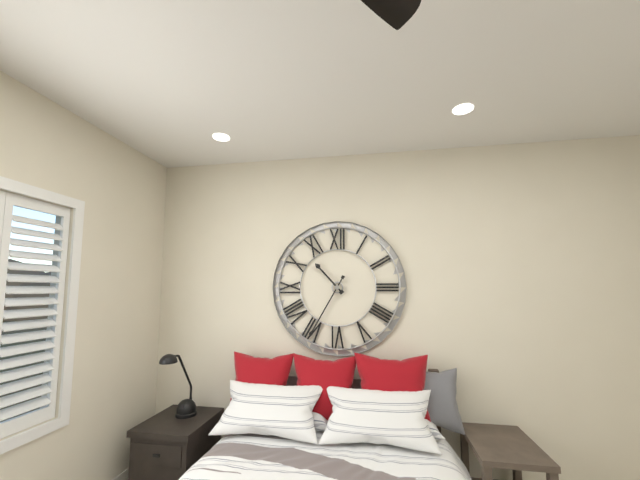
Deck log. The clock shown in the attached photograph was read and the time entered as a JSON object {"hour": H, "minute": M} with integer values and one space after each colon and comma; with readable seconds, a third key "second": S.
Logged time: {"hour": 10, "minute": 35}
